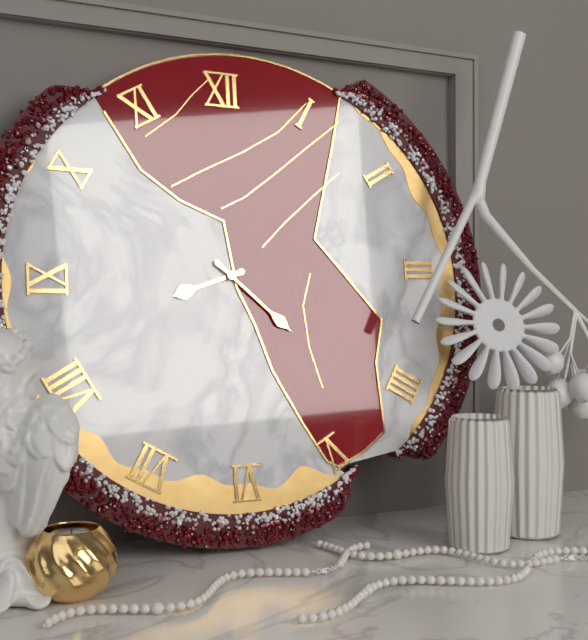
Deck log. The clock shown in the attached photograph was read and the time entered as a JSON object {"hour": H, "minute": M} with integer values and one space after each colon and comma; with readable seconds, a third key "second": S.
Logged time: {"hour": 8, "minute": 22}
